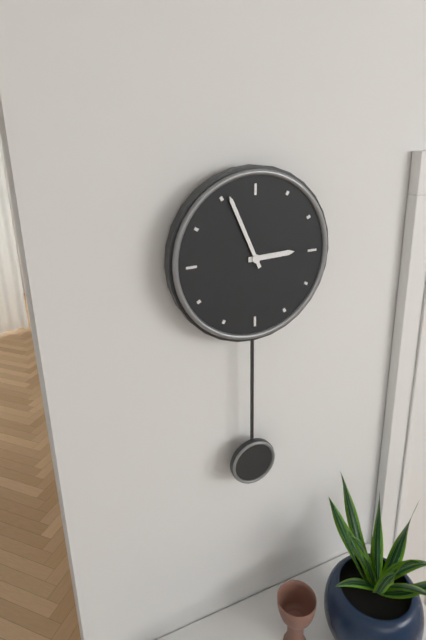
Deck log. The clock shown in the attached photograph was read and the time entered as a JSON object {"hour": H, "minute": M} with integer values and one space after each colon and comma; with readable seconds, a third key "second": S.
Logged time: {"hour": 2, "minute": 56}
